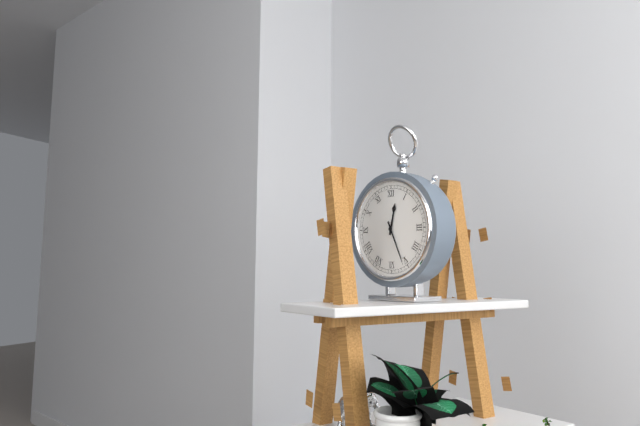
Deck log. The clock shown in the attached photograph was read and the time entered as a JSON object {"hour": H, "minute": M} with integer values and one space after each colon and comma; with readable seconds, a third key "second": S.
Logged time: {"hour": 12, "minute": 26}
